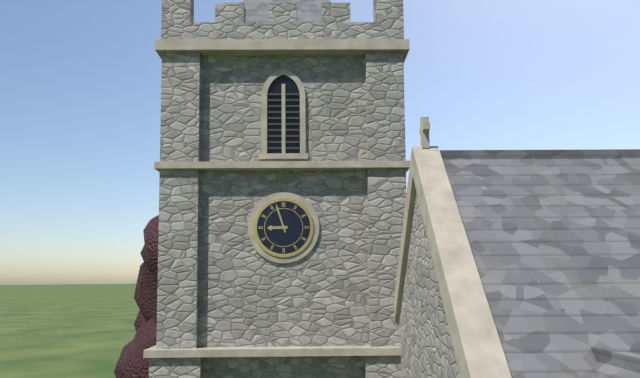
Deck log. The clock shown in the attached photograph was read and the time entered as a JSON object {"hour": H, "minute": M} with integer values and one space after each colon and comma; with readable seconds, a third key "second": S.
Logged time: {"hour": 8, "minute": 57}
